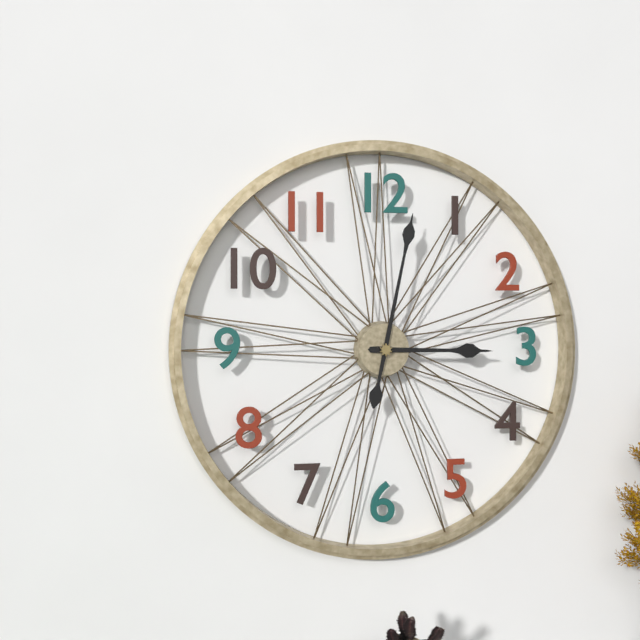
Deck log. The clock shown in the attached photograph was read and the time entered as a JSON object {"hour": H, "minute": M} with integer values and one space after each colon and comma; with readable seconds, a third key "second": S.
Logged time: {"hour": 3, "minute": 2}
